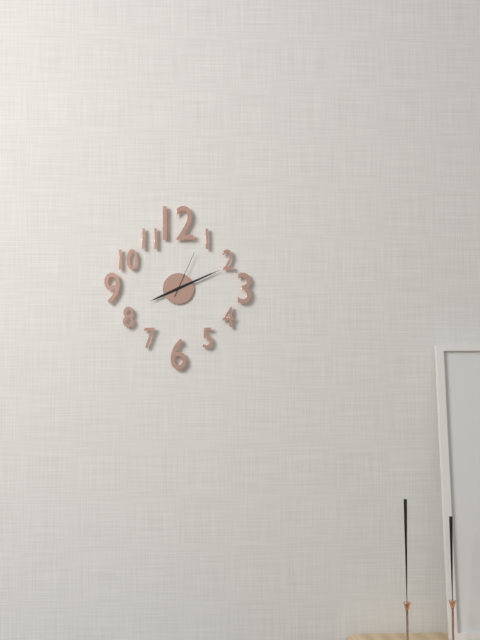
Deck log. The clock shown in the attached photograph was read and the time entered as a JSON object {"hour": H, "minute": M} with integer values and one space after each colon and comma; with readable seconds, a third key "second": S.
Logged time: {"hour": 8, "minute": 11}
